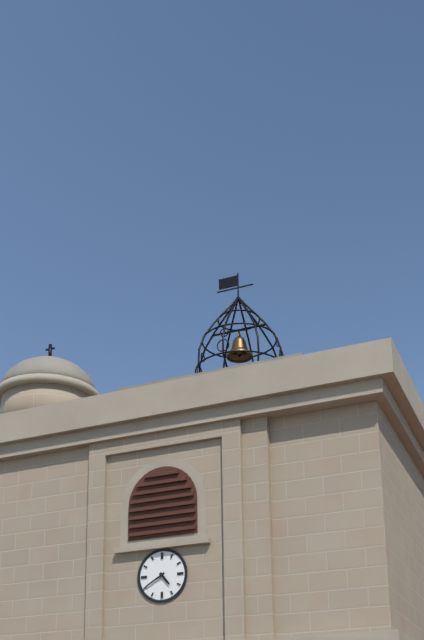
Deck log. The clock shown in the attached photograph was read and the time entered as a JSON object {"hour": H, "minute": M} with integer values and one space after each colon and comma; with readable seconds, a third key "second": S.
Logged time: {"hour": 4, "minute": 40}
